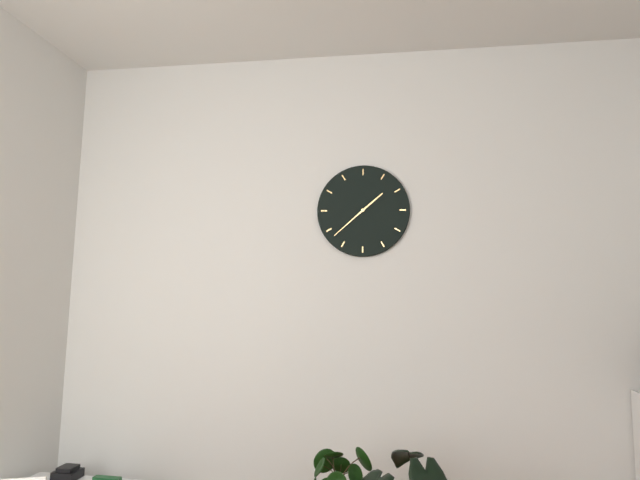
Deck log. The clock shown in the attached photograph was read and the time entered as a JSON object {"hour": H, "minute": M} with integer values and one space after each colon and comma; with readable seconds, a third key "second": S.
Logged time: {"hour": 1, "minute": 38}
